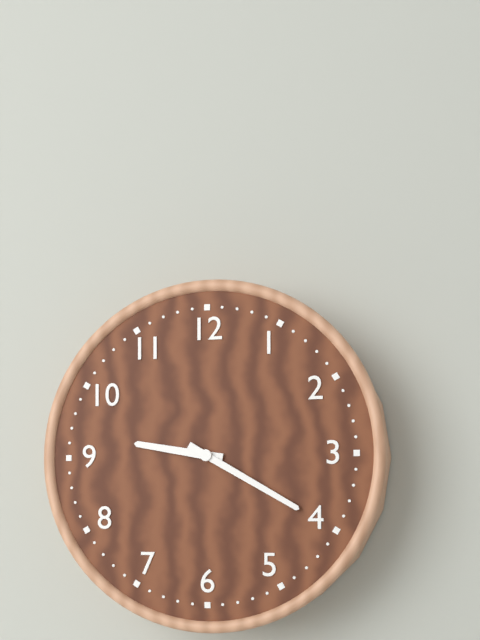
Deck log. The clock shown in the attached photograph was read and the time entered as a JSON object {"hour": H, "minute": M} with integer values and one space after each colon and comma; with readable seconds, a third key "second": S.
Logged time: {"hour": 9, "minute": 20}
